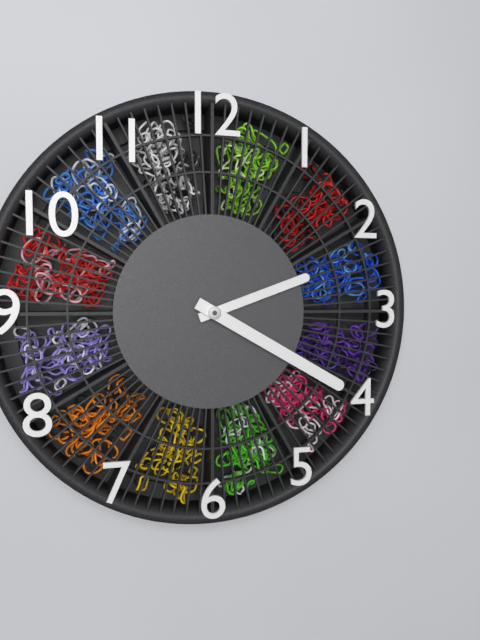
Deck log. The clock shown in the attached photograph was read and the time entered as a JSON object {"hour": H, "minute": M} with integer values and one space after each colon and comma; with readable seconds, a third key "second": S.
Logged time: {"hour": 2, "minute": 20}
